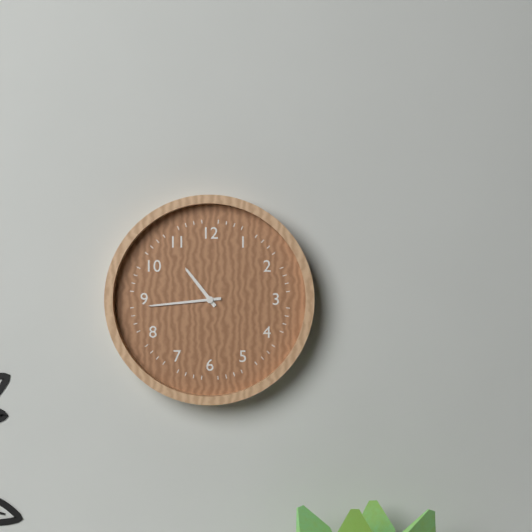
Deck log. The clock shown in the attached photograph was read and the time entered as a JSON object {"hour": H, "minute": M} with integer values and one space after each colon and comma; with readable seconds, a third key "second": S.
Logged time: {"hour": 10, "minute": 44}
